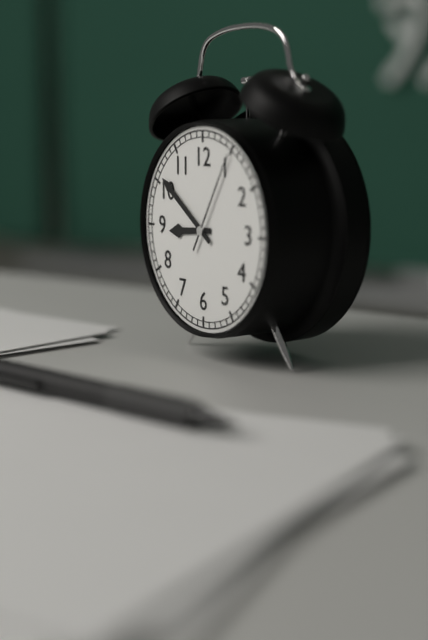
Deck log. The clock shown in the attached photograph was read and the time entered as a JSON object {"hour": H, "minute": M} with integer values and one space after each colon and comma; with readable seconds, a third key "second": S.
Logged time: {"hour": 8, "minute": 51, "second": 5}
